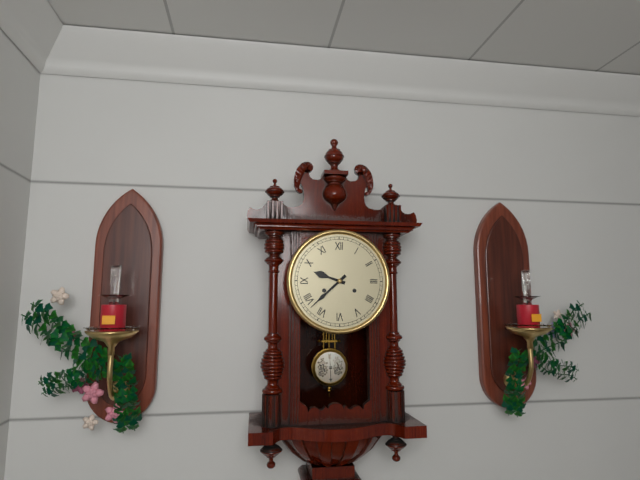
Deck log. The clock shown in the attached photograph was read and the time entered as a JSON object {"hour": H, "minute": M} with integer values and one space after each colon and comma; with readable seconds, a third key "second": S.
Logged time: {"hour": 9, "minute": 38}
